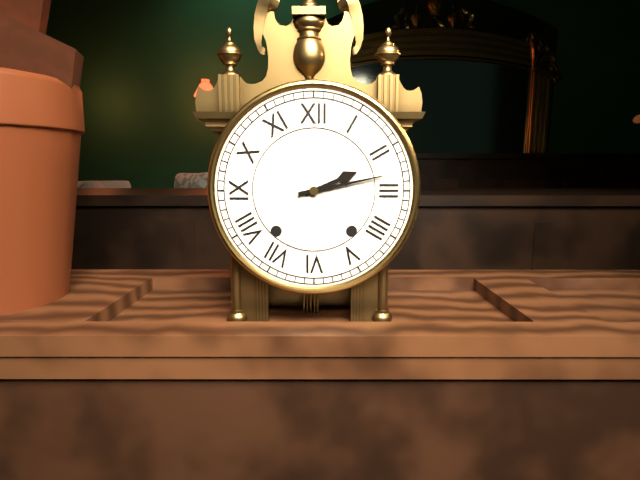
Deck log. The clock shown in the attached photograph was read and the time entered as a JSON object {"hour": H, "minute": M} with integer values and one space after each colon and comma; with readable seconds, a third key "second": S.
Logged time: {"hour": 2, "minute": 13}
